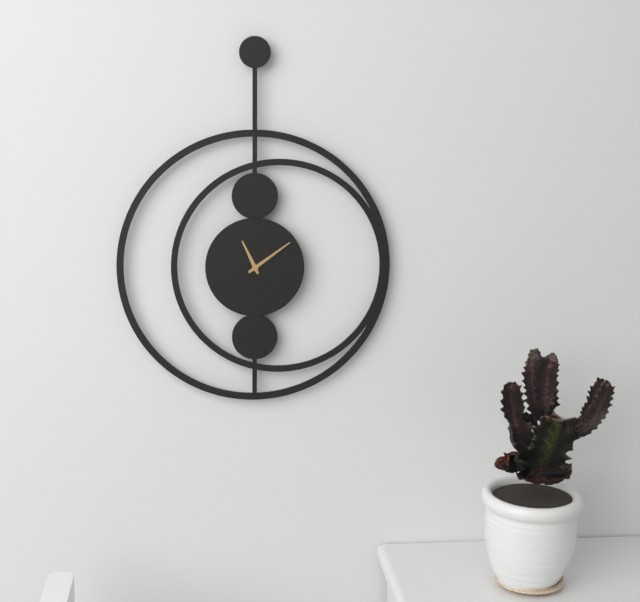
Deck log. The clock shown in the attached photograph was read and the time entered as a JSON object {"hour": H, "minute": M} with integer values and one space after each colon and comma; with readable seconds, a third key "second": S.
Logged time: {"hour": 11, "minute": 9}
